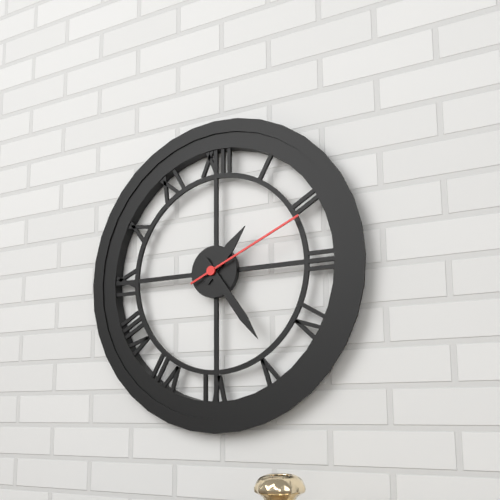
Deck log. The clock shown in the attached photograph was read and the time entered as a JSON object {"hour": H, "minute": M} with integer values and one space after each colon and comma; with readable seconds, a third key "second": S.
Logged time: {"hour": 1, "minute": 24, "second": 11}
